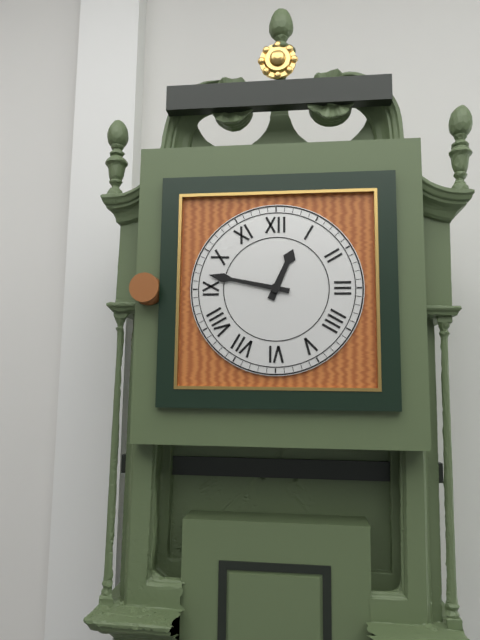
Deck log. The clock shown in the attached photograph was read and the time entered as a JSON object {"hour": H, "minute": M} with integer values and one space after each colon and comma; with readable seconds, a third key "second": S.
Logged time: {"hour": 12, "minute": 47}
